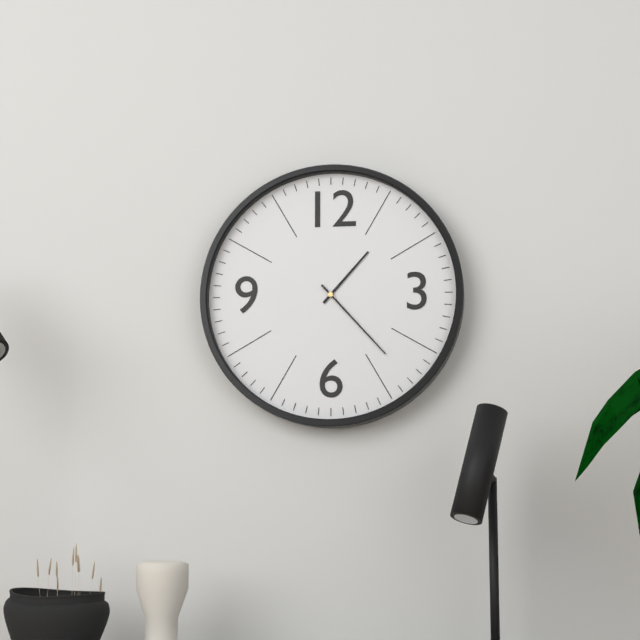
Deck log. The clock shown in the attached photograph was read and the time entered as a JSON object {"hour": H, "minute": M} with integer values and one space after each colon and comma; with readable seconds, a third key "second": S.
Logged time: {"hour": 1, "minute": 23}
